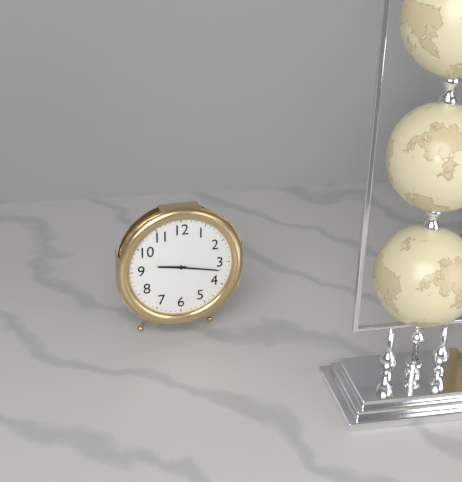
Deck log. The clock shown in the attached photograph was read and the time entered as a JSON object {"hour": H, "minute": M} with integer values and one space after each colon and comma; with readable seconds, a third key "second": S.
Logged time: {"hour": 9, "minute": 17}
